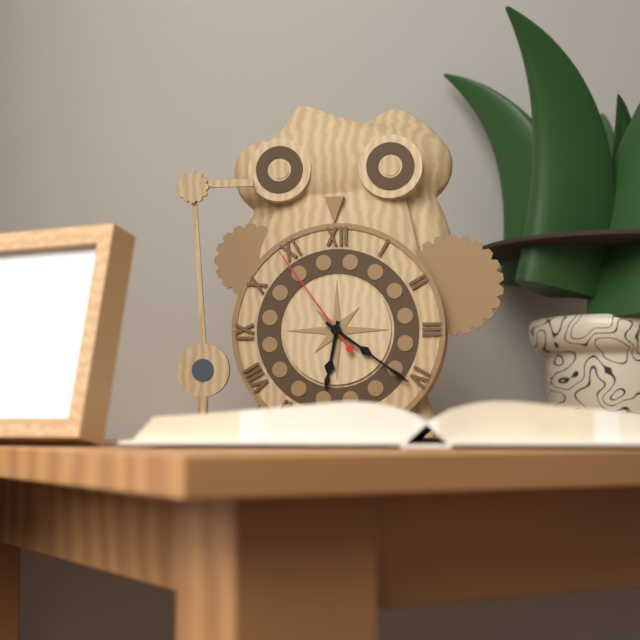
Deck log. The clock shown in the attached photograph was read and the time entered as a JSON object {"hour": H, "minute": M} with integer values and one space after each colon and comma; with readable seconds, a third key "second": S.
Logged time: {"hour": 6, "minute": 21, "second": 54}
